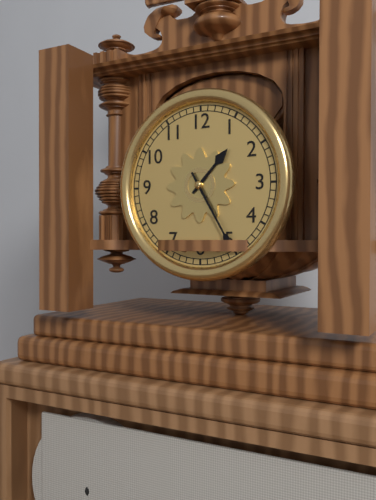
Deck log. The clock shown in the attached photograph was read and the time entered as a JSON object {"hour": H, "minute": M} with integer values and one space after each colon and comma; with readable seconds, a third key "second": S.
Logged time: {"hour": 1, "minute": 25}
